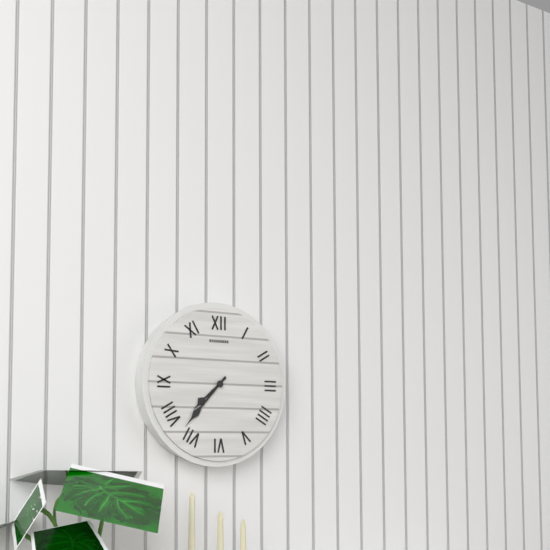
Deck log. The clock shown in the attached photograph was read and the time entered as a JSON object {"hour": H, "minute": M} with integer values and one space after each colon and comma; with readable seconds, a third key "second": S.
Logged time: {"hour": 7, "minute": 37}
